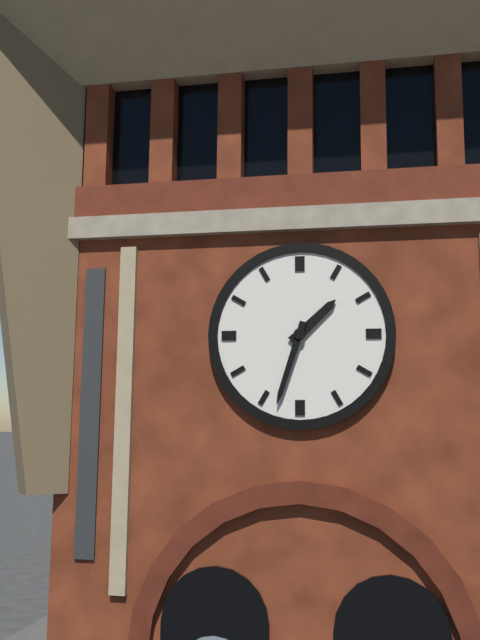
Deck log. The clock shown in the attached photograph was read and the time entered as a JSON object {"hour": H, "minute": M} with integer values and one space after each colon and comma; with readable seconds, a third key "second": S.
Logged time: {"hour": 1, "minute": 33}
